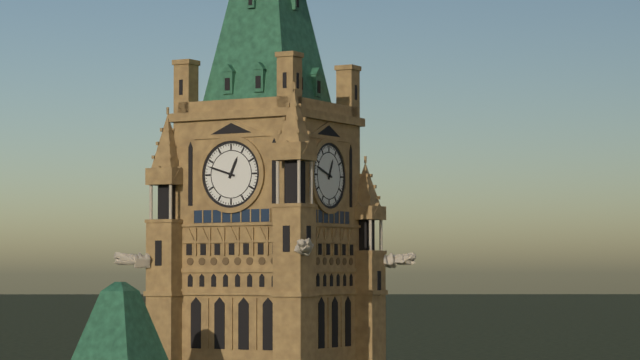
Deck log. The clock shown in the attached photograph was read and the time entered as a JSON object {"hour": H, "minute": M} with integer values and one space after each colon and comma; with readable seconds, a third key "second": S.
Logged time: {"hour": 12, "minute": 48}
